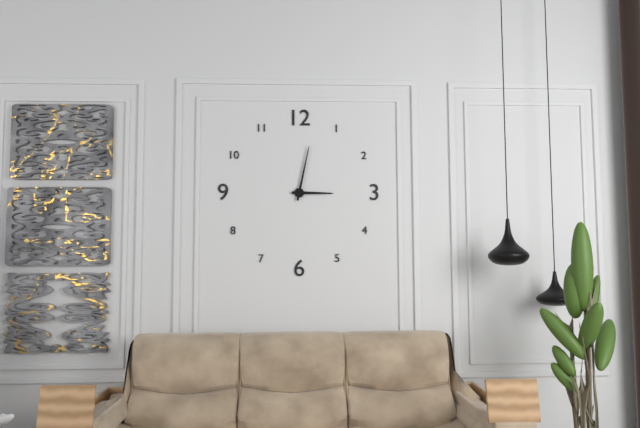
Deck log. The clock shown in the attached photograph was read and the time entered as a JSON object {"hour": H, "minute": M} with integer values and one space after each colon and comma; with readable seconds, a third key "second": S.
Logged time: {"hour": 3, "minute": 2}
